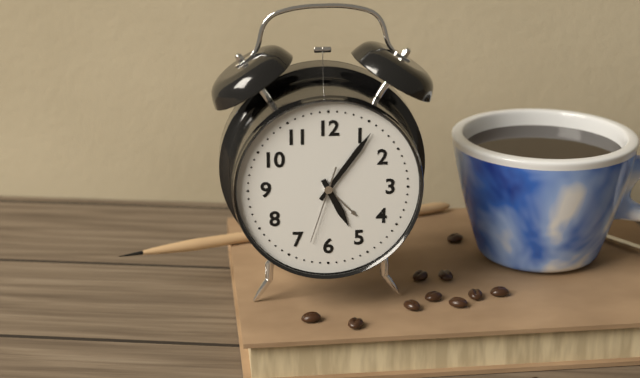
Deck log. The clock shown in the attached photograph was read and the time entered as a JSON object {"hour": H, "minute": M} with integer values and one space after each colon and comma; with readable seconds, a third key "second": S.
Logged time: {"hour": 5, "minute": 6, "second": 33}
